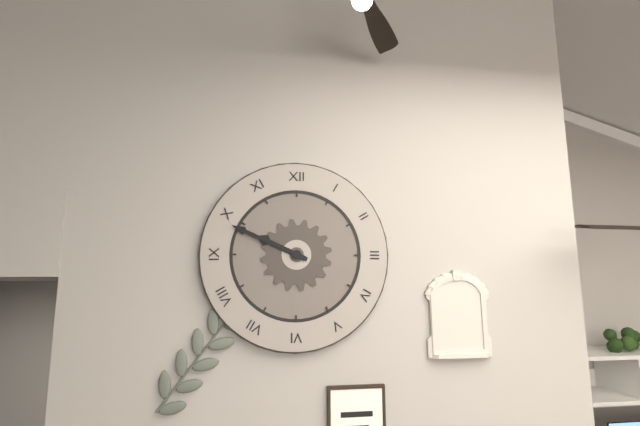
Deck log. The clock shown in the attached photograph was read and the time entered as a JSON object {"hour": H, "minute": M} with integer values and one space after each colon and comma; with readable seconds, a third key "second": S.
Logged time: {"hour": 9, "minute": 49}
